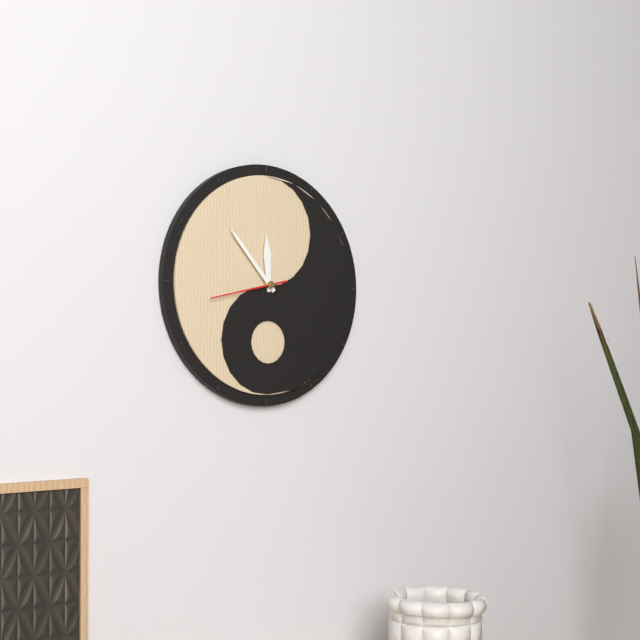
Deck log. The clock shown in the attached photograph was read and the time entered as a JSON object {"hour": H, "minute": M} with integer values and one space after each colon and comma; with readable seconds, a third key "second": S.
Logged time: {"hour": 11, "minute": 53, "second": 43}
